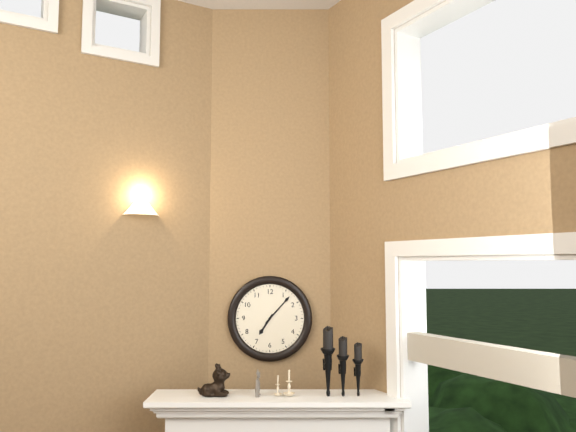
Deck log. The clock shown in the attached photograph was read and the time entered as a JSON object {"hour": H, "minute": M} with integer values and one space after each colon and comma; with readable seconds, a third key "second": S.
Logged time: {"hour": 7, "minute": 7}
